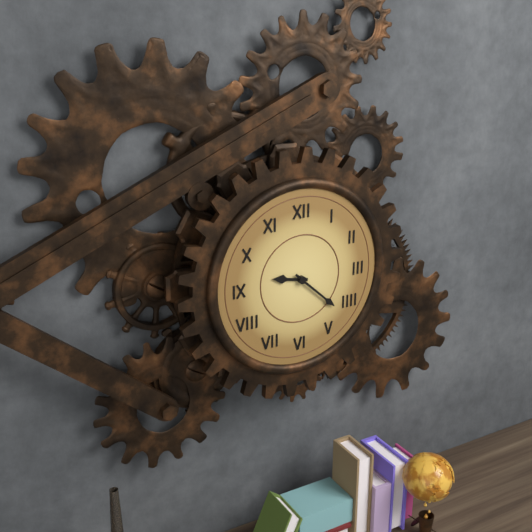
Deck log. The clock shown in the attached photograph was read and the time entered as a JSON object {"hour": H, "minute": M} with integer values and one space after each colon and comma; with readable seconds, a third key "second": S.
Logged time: {"hour": 9, "minute": 22}
